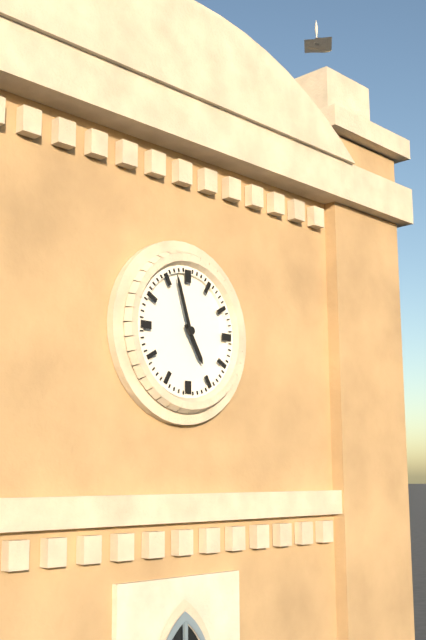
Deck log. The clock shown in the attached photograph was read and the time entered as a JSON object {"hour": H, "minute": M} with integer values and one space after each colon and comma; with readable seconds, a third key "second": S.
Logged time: {"hour": 4, "minute": 57}
